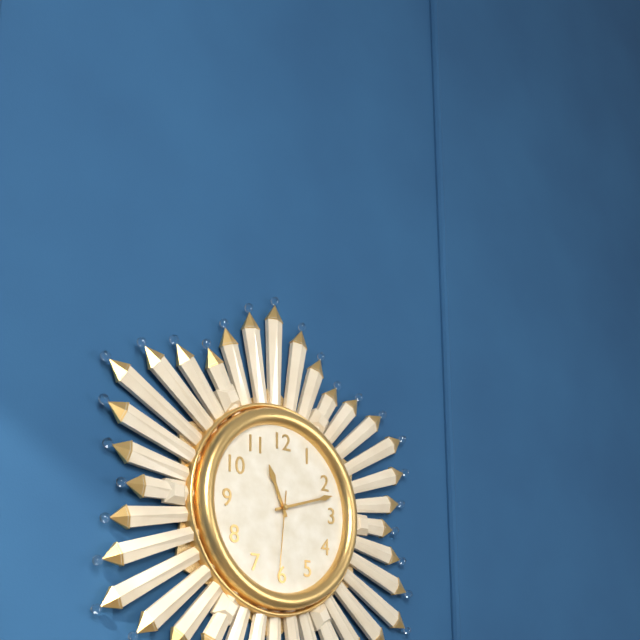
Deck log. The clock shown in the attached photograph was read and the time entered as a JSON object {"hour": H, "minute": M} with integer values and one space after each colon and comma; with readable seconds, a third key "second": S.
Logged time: {"hour": 11, "minute": 12, "second": 31}
